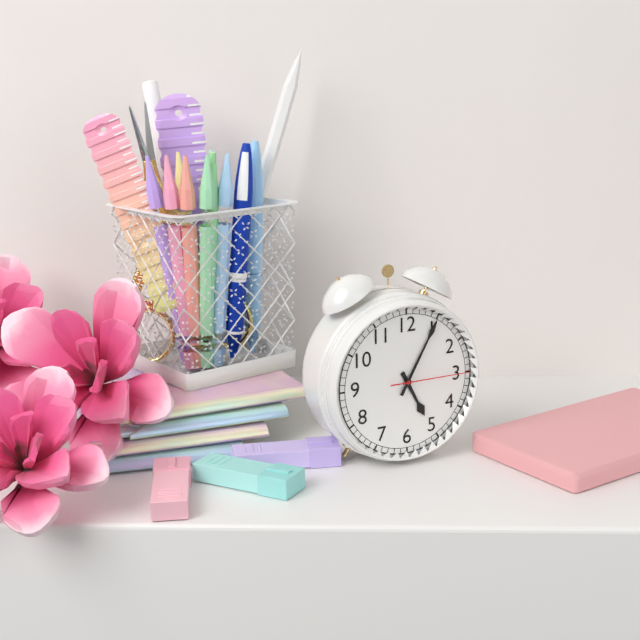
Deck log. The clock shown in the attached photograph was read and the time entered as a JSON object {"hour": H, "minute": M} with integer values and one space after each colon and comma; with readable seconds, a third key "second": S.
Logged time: {"hour": 5, "minute": 5, "second": 15}
